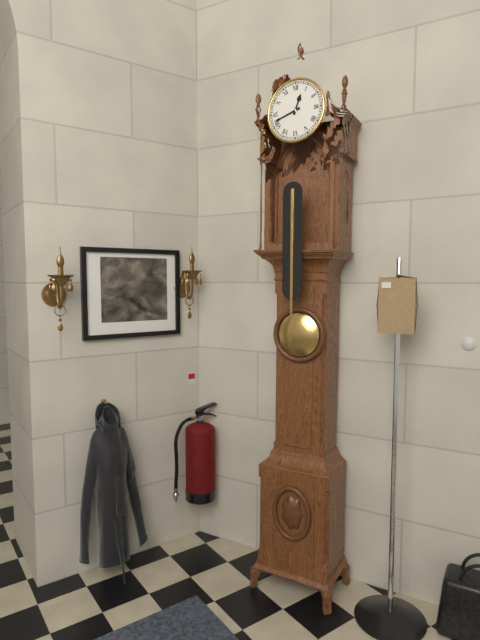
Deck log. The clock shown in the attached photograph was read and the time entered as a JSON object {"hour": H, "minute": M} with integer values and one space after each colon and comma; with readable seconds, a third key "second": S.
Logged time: {"hour": 12, "minute": 42}
